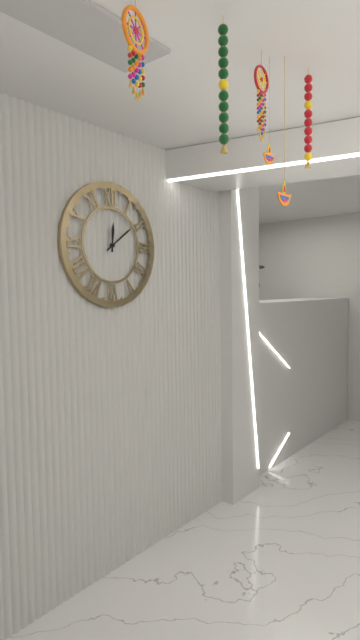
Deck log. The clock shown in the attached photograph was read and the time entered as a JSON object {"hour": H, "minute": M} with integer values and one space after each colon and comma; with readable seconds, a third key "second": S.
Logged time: {"hour": 12, "minute": 9}
